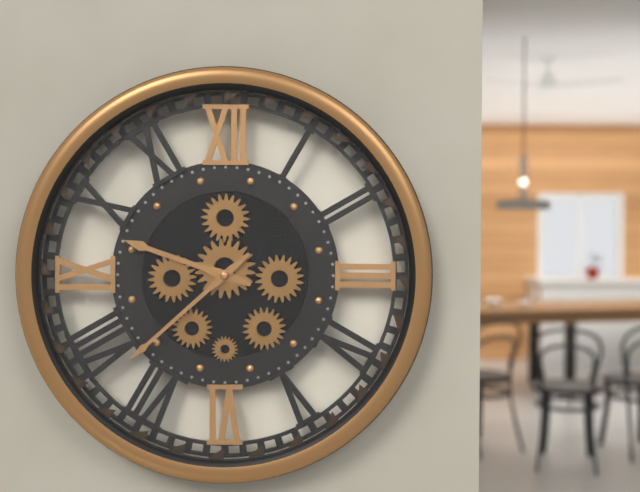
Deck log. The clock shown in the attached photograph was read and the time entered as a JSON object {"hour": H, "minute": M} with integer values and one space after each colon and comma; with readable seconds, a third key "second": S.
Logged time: {"hour": 9, "minute": 38}
